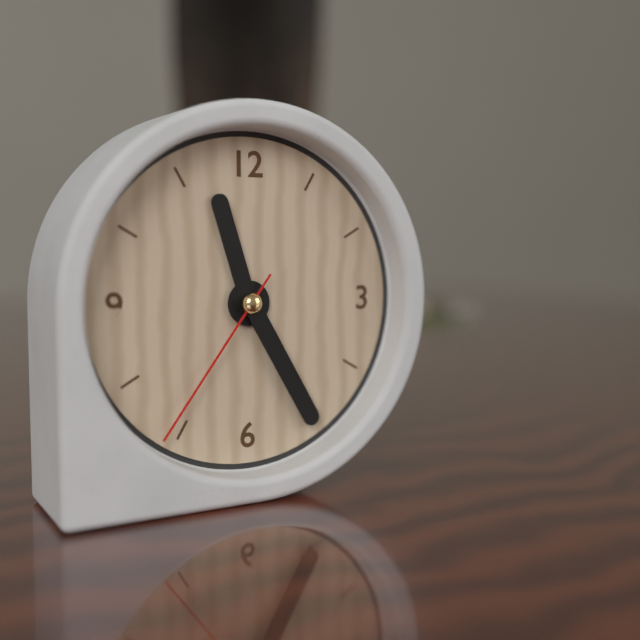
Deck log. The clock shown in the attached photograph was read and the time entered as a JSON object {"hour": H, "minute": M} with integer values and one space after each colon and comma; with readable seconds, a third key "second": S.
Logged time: {"hour": 11, "minute": 25, "second": 36}
